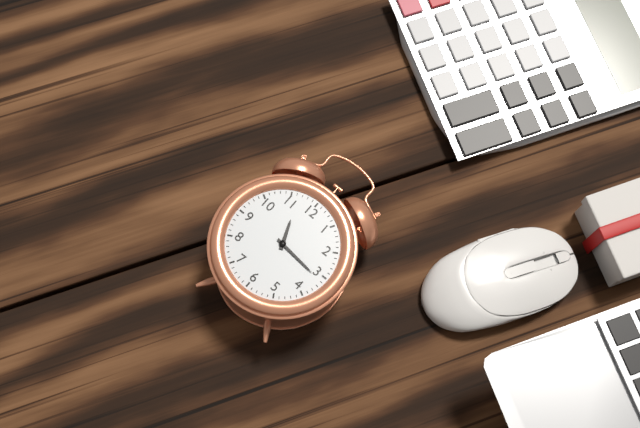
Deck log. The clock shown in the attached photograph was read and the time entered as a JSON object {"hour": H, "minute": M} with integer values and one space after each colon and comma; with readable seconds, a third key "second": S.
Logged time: {"hour": 11, "minute": 16}
